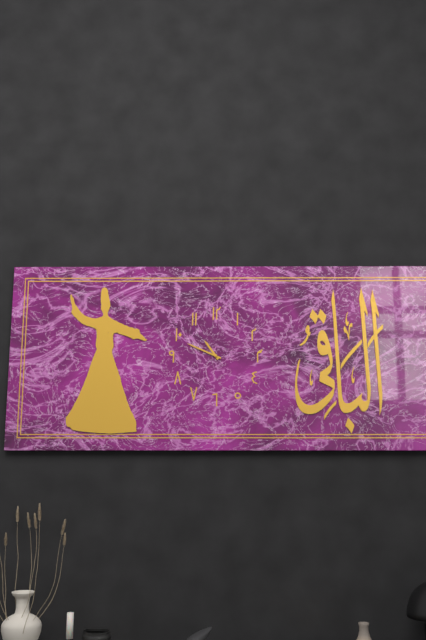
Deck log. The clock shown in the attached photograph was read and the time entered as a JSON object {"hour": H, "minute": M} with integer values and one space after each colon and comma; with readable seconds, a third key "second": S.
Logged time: {"hour": 10, "minute": 49}
